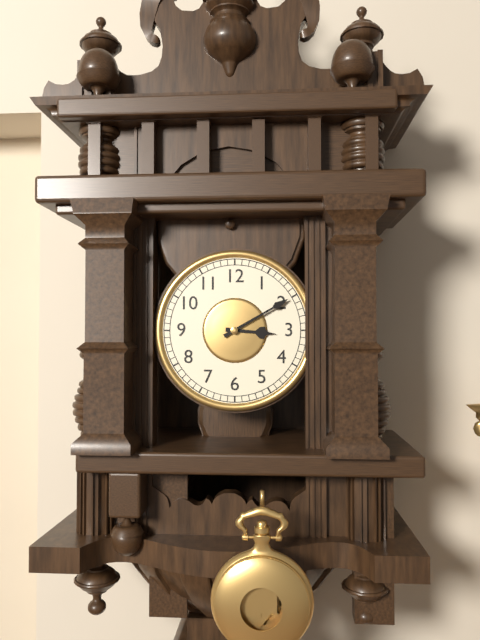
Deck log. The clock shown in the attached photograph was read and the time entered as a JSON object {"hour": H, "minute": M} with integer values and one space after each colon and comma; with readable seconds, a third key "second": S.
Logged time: {"hour": 3, "minute": 10}
